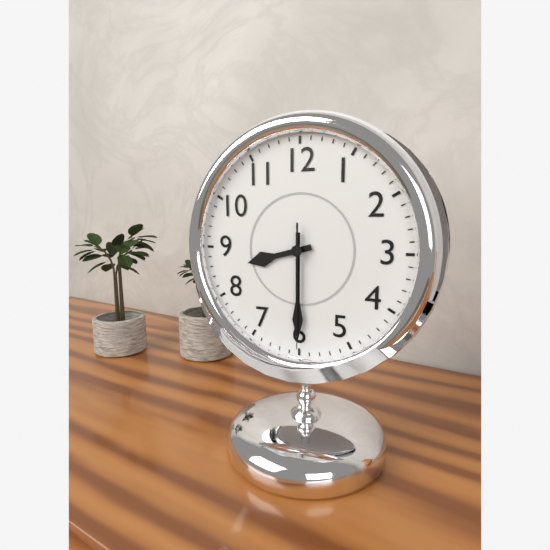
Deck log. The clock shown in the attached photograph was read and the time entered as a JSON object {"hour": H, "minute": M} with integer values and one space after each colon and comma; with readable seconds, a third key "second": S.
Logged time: {"hour": 8, "minute": 30, "second": 30}
